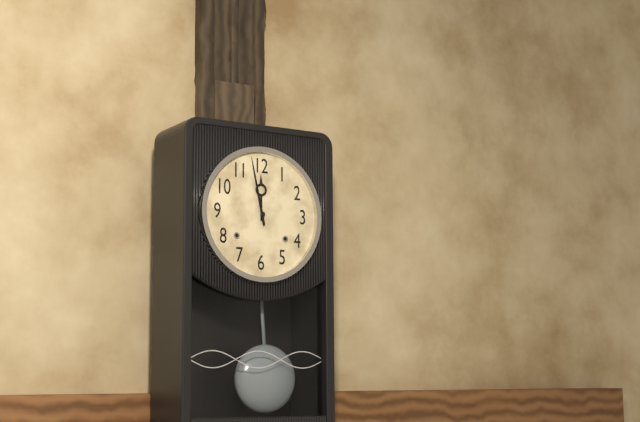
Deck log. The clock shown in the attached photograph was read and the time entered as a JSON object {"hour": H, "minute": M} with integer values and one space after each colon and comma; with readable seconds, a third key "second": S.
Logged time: {"hour": 11, "minute": 58}
